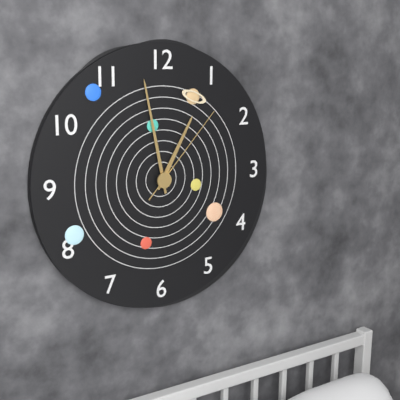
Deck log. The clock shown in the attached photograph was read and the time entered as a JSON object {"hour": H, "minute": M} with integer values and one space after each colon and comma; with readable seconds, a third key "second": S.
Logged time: {"hour": 12, "minute": 58, "second": 7}
